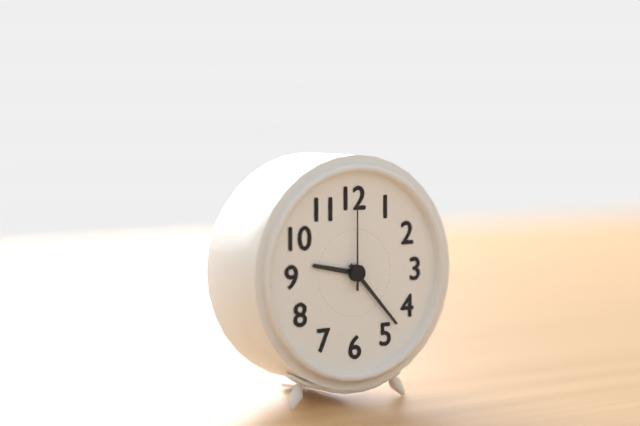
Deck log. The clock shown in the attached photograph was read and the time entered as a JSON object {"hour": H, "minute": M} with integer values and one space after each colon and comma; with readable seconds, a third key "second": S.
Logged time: {"hour": 9, "minute": 23, "second": 0}
